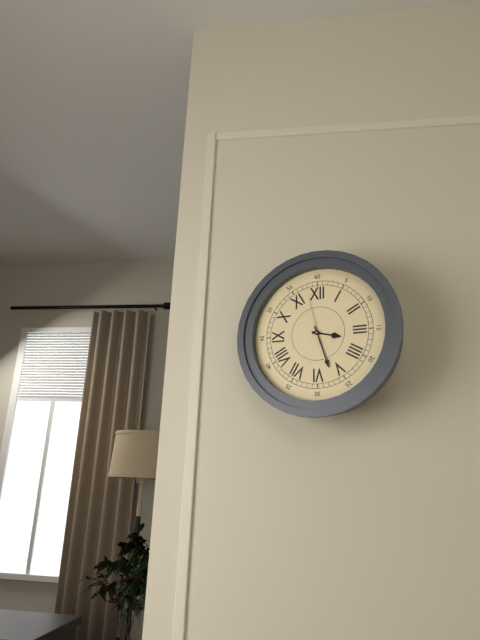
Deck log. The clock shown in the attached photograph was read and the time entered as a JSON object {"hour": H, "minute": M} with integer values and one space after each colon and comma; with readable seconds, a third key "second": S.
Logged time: {"hour": 3, "minute": 27}
